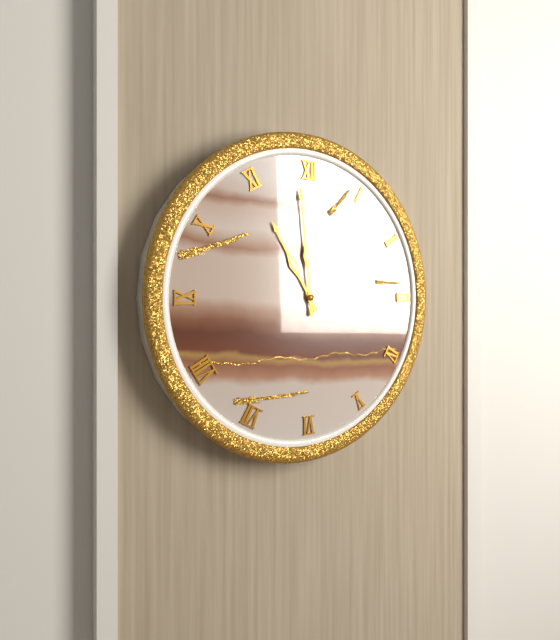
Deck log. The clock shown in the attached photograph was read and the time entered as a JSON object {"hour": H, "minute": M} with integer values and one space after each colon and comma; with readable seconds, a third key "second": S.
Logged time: {"hour": 10, "minute": 59}
